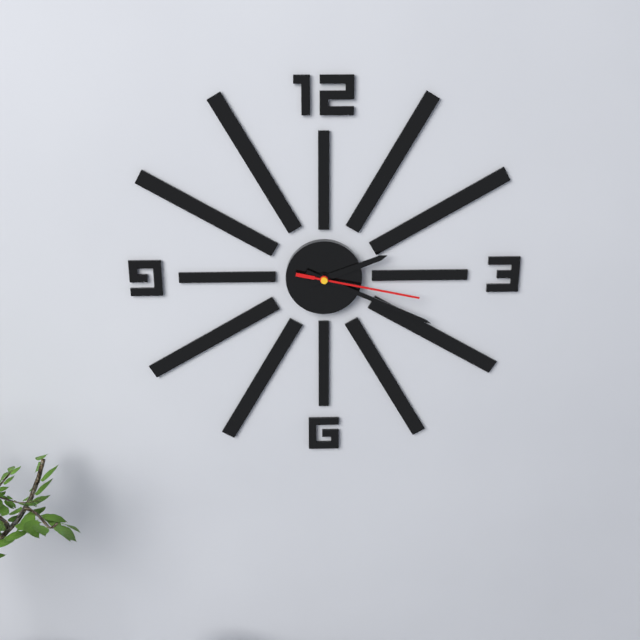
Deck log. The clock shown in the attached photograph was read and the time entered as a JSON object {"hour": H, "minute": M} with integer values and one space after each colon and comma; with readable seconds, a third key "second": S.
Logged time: {"hour": 2, "minute": 19, "second": 17}
